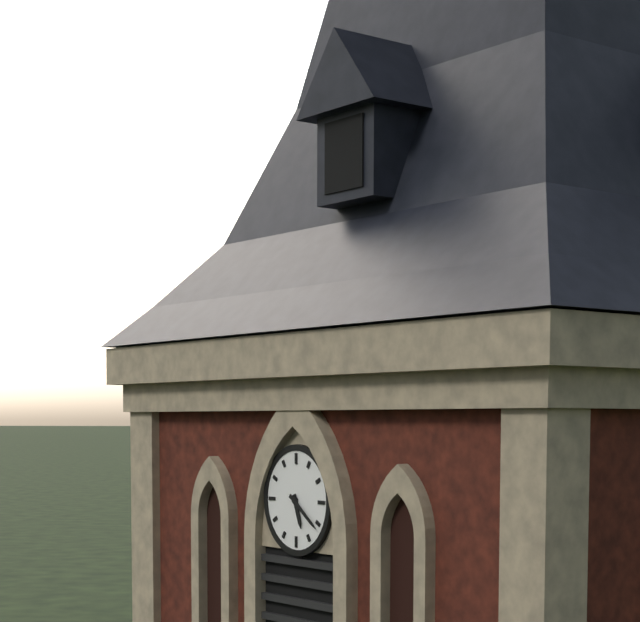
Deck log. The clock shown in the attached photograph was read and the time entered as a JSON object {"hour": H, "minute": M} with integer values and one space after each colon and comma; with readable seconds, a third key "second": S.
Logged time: {"hour": 5, "minute": 21}
